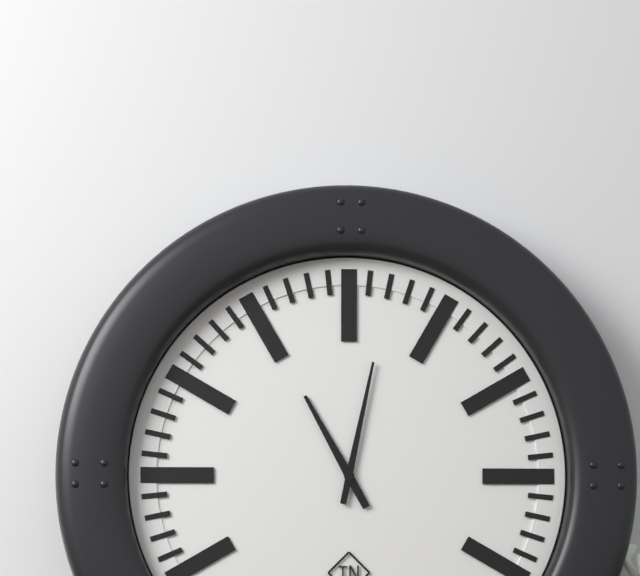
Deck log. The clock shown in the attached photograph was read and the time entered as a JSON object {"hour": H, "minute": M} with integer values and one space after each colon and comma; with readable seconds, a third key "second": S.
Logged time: {"hour": 11, "minute": 2}
